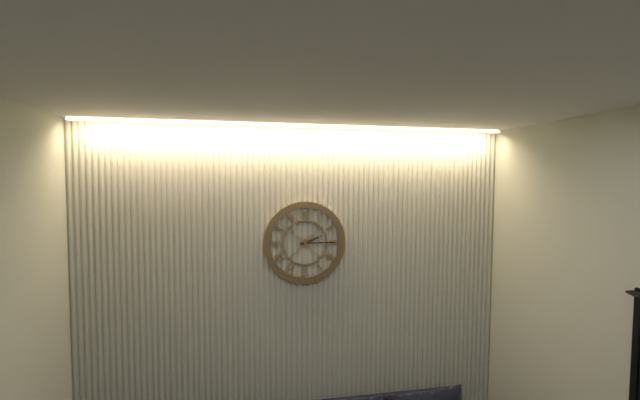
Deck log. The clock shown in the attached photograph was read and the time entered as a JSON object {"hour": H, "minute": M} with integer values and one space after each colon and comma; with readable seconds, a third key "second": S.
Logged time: {"hour": 2, "minute": 15}
